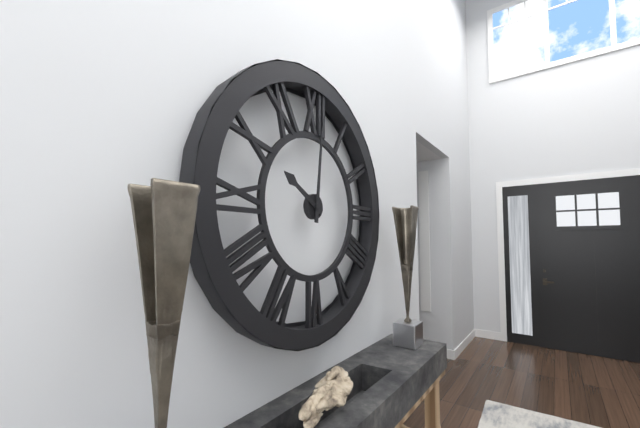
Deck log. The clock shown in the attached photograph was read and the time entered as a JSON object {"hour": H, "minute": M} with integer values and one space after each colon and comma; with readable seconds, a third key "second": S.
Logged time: {"hour": 10, "minute": 1}
